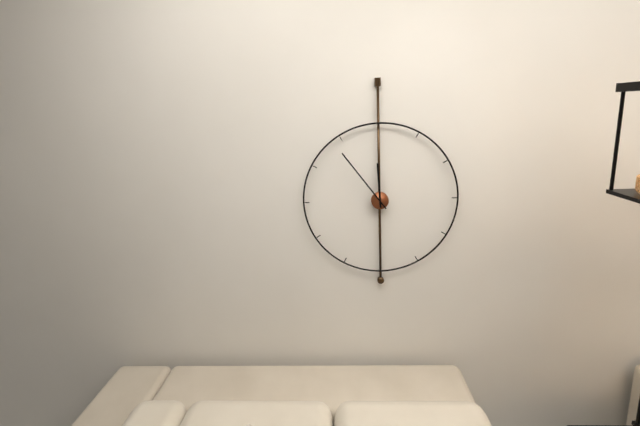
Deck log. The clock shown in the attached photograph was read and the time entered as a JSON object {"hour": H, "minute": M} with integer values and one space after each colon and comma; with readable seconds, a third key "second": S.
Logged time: {"hour": 11, "minute": 54}
